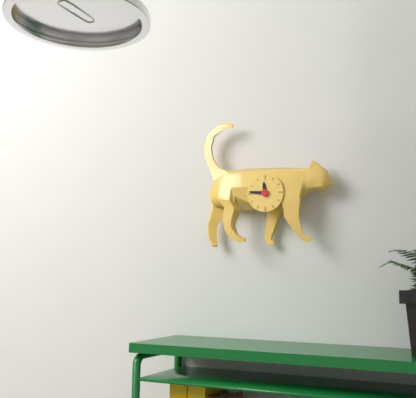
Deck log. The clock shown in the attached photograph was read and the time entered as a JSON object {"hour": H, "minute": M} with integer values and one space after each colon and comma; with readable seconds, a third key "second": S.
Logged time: {"hour": 11, "minute": 46}
